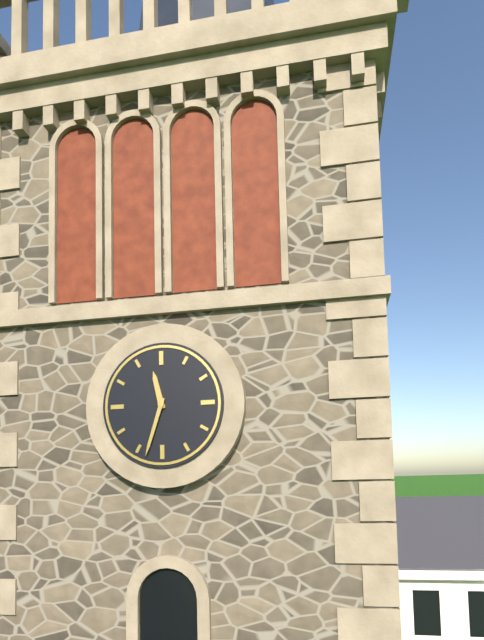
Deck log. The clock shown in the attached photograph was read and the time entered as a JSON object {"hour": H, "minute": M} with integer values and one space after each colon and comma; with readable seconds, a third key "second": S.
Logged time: {"hour": 11, "minute": 33}
